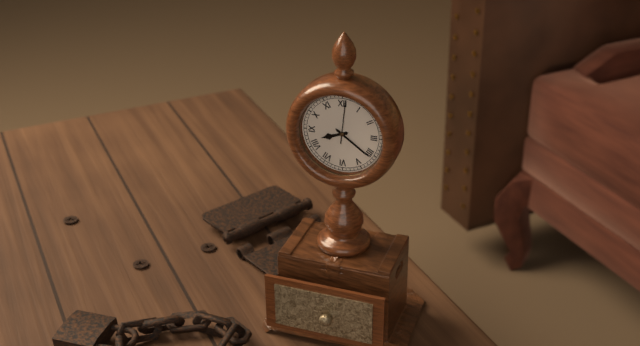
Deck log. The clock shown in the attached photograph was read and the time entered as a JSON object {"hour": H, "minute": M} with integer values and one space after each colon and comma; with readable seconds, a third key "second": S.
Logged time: {"hour": 8, "minute": 21}
